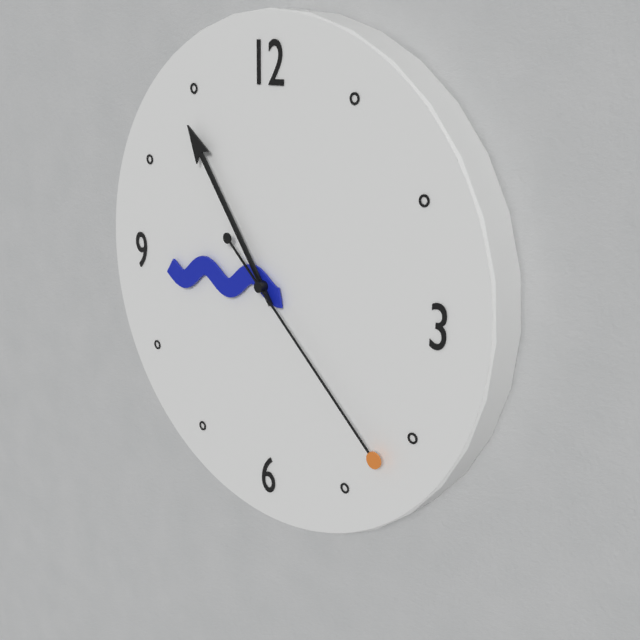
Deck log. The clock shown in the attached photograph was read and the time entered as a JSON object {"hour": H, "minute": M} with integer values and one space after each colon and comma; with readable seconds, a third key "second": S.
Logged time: {"hour": 8, "minute": 54, "second": 22}
